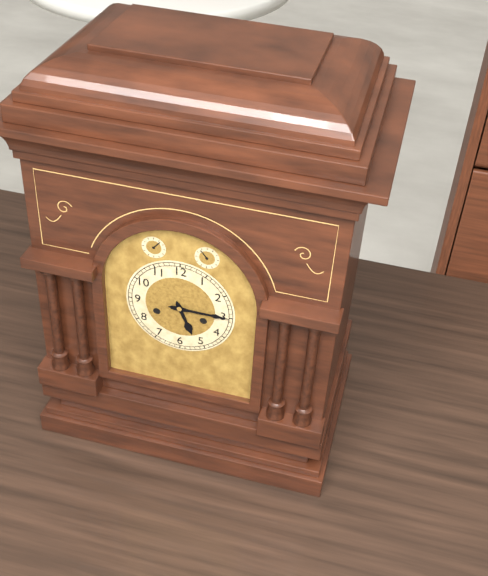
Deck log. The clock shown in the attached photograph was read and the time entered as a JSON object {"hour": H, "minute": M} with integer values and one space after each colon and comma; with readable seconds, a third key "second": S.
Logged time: {"hour": 5, "minute": 15}
